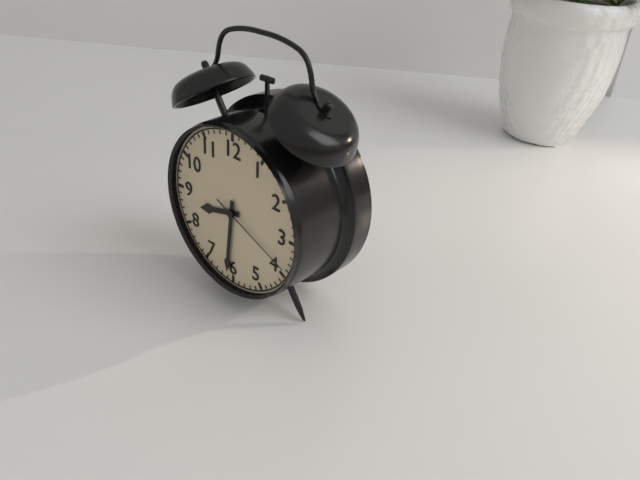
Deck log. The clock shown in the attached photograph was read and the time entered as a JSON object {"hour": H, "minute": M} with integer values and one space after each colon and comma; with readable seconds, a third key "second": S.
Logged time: {"hour": 8, "minute": 31, "second": 19}
